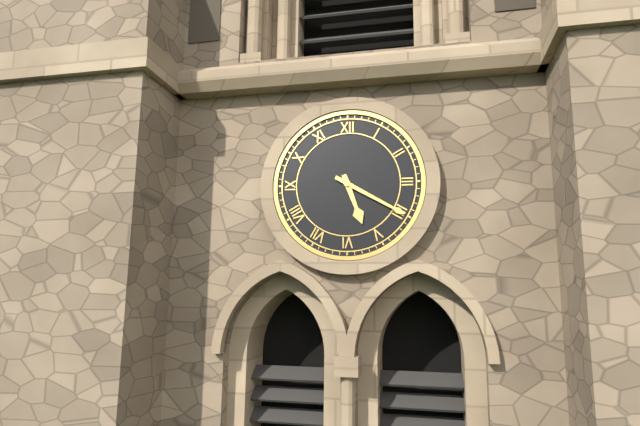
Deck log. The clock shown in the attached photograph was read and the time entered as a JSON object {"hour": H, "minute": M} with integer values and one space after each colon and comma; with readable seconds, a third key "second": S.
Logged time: {"hour": 5, "minute": 20}
